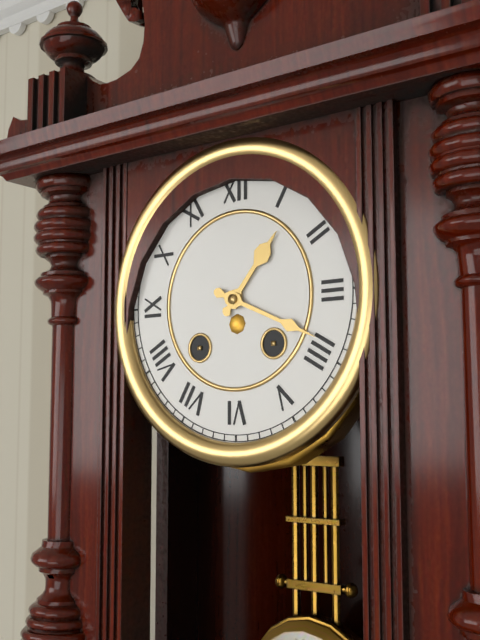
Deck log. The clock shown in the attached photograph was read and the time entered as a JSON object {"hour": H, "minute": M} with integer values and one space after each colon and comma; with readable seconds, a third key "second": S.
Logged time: {"hour": 1, "minute": 19}
